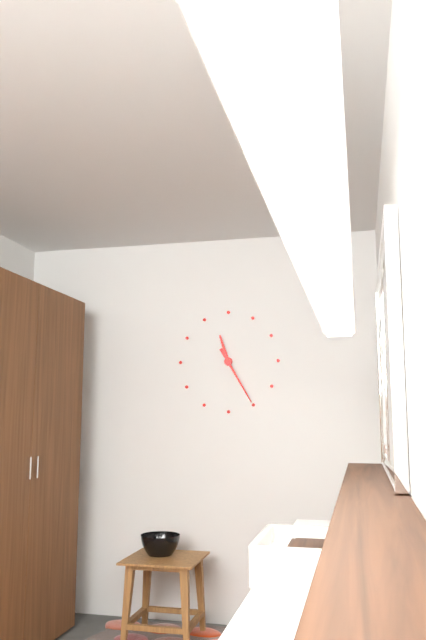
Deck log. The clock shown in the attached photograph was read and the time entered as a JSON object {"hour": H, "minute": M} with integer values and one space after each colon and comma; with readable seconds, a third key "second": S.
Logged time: {"hour": 11, "minute": 25}
